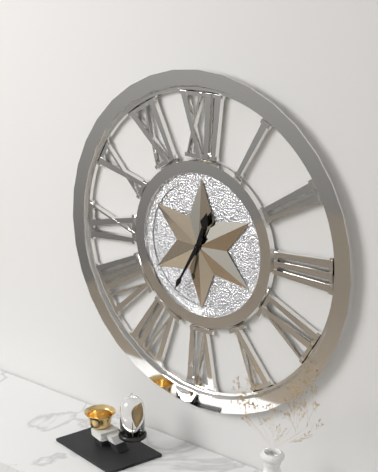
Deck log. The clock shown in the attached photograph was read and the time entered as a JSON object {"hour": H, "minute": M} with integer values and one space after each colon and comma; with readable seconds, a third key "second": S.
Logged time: {"hour": 12, "minute": 35}
